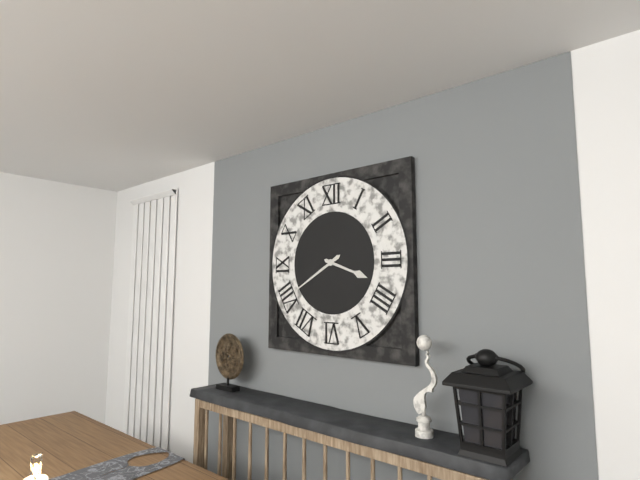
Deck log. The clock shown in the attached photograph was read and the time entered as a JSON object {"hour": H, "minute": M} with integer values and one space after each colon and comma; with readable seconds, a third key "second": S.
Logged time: {"hour": 3, "minute": 40}
